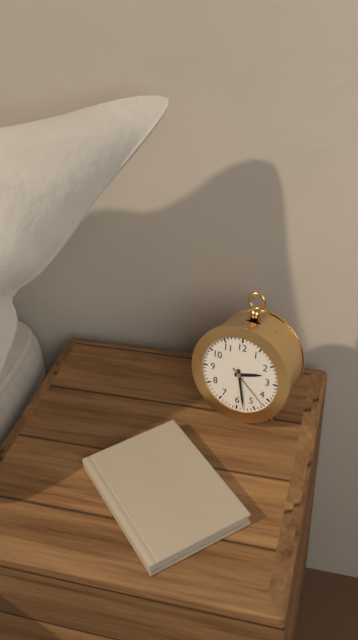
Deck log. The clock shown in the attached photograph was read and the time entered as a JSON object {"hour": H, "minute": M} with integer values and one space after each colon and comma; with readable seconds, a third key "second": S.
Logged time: {"hour": 2, "minute": 28}
